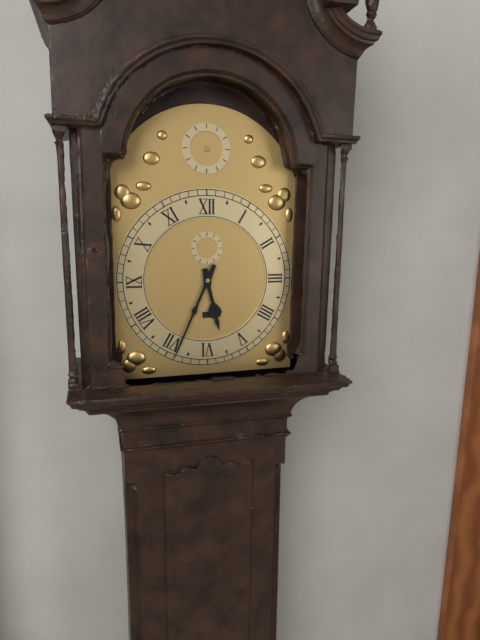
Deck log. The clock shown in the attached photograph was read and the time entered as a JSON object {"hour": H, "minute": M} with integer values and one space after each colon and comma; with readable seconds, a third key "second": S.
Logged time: {"hour": 5, "minute": 34}
